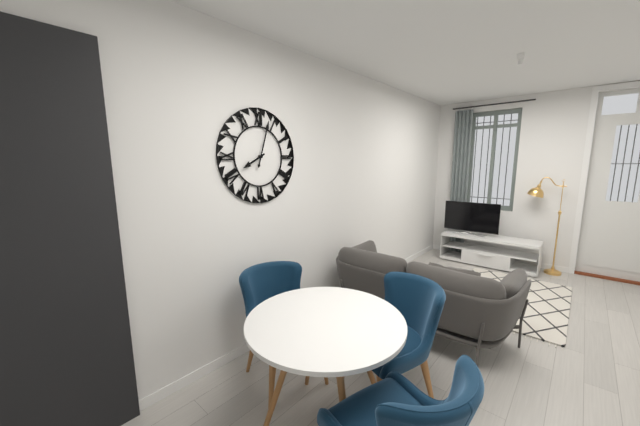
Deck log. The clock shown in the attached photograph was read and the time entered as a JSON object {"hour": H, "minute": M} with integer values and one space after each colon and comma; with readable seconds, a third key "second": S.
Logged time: {"hour": 8, "minute": 3}
